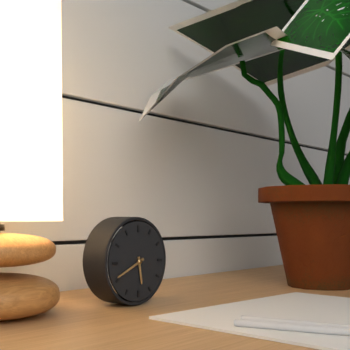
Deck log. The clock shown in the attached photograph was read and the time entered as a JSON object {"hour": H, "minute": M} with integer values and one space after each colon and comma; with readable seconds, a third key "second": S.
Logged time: {"hour": 5, "minute": 41}
